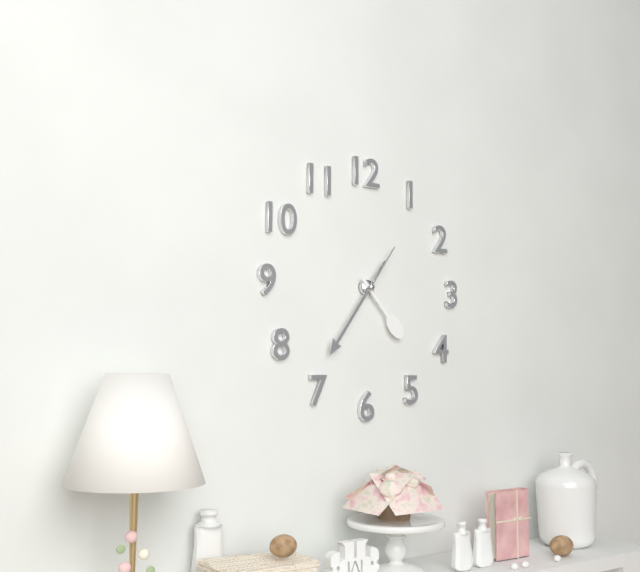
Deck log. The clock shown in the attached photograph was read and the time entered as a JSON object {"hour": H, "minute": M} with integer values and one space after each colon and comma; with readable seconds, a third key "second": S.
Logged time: {"hour": 4, "minute": 36, "second": 6}
